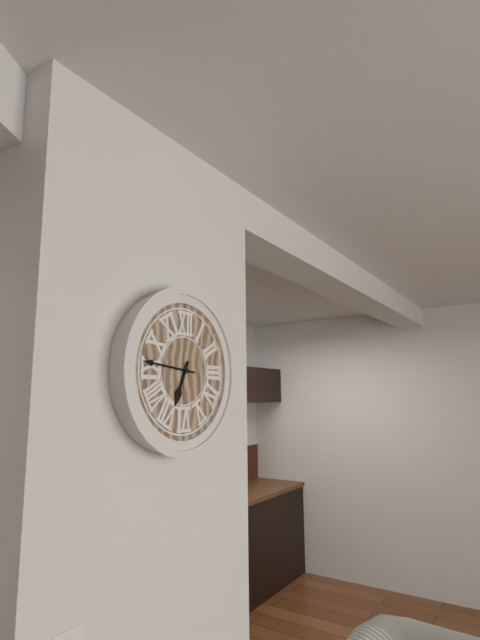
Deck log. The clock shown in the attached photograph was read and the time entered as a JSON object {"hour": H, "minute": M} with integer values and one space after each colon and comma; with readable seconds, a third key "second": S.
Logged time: {"hour": 6, "minute": 46}
